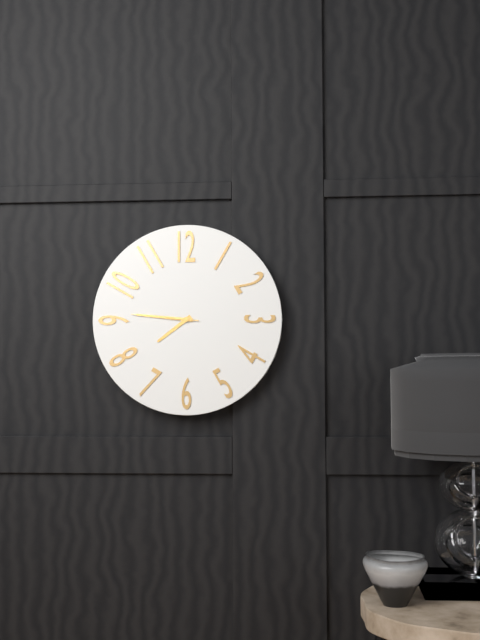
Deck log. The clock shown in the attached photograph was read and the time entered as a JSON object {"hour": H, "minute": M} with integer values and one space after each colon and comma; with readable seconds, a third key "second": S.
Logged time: {"hour": 7, "minute": 46, "second": 46}
